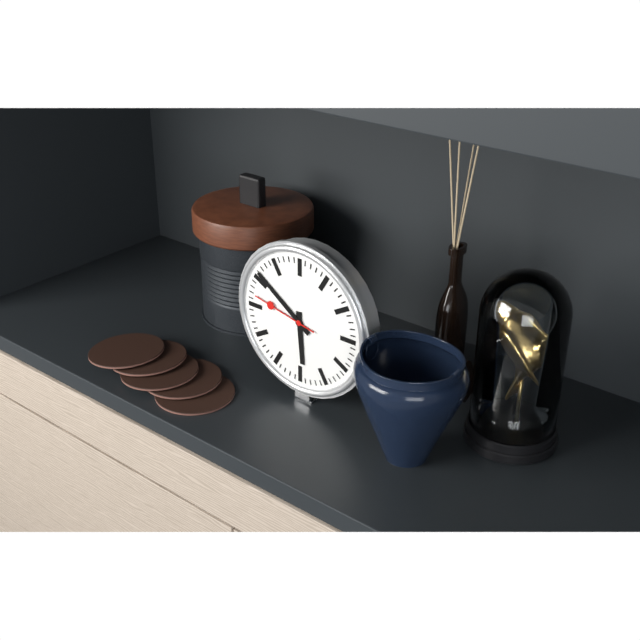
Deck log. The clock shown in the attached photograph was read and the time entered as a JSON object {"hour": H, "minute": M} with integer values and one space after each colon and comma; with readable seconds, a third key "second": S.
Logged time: {"hour": 5, "minute": 51, "second": 47}
